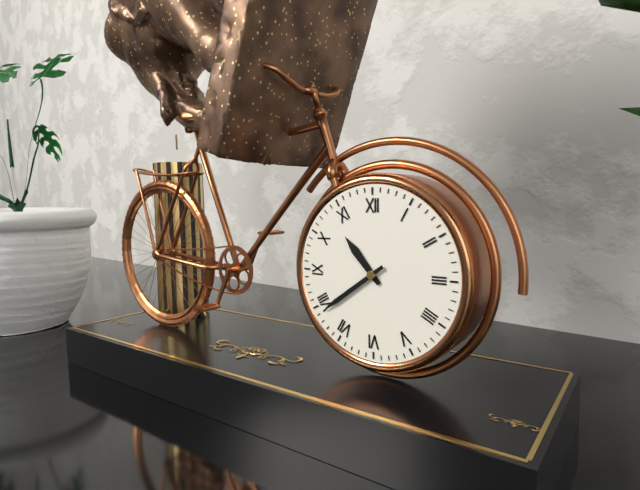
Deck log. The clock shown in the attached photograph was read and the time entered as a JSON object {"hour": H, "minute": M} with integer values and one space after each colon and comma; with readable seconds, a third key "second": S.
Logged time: {"hour": 10, "minute": 39}
